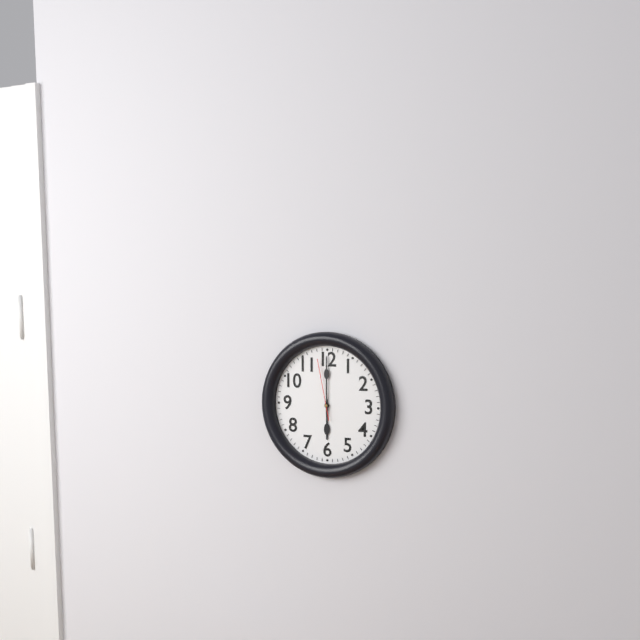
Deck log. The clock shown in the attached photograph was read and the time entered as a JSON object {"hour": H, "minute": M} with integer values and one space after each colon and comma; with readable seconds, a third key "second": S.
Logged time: {"hour": 6, "minute": 0, "second": 58}
